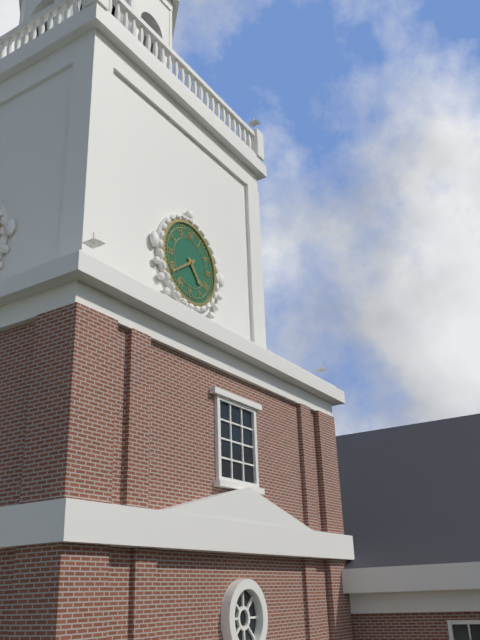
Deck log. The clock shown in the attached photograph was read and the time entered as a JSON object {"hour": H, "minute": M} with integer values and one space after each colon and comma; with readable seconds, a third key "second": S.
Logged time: {"hour": 4, "minute": 39}
